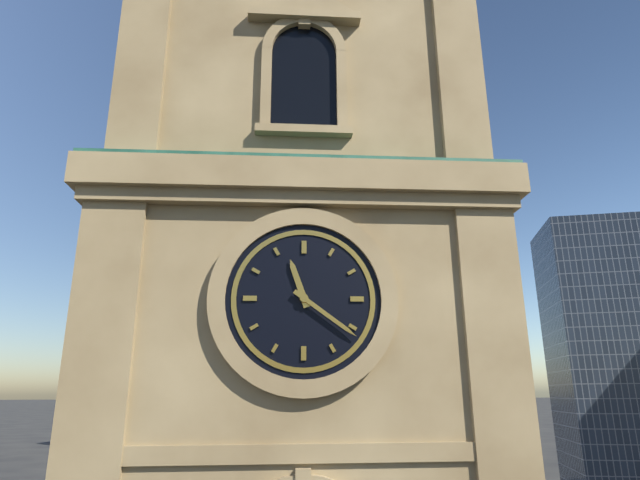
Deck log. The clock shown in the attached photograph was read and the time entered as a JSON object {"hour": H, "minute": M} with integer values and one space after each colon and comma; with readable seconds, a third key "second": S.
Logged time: {"hour": 11, "minute": 21}
